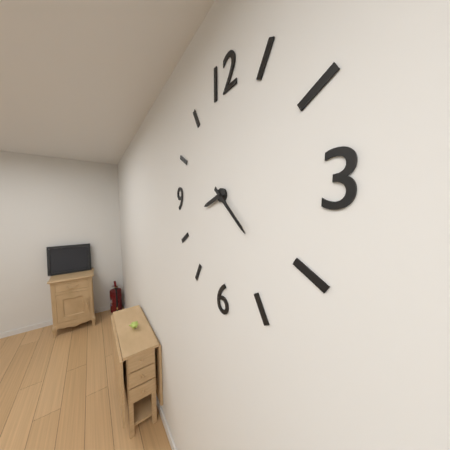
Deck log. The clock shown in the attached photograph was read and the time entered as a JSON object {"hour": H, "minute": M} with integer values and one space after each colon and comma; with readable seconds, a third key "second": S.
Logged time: {"hour": 8, "minute": 22}
